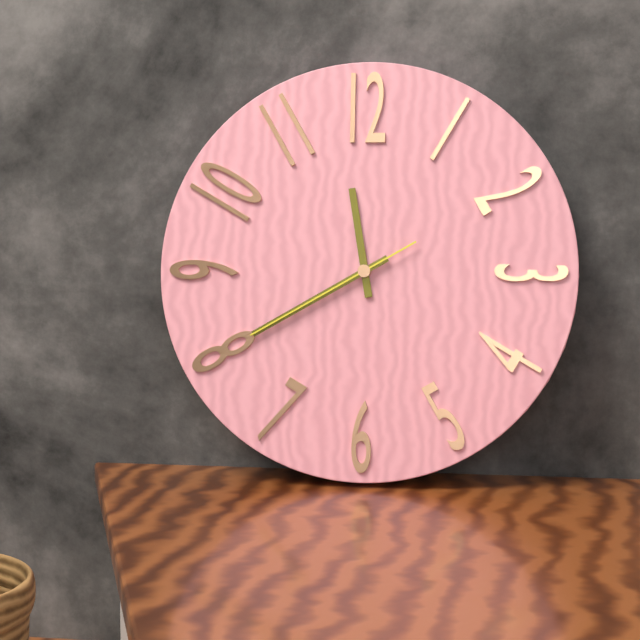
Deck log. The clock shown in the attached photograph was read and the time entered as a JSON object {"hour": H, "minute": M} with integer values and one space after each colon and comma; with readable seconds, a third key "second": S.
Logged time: {"hour": 11, "minute": 40, "second": 40}
